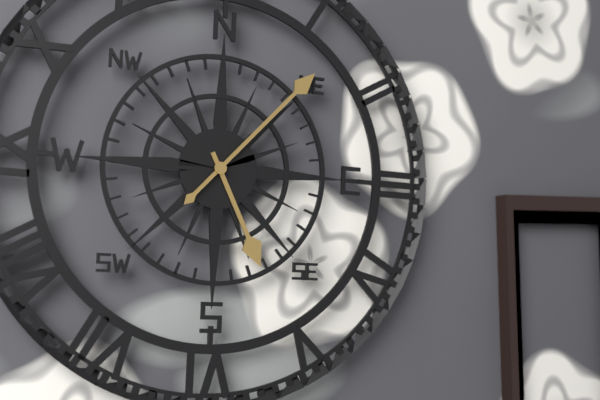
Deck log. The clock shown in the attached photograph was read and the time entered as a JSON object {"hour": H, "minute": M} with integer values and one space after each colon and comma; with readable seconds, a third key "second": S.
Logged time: {"hour": 5, "minute": 7}
